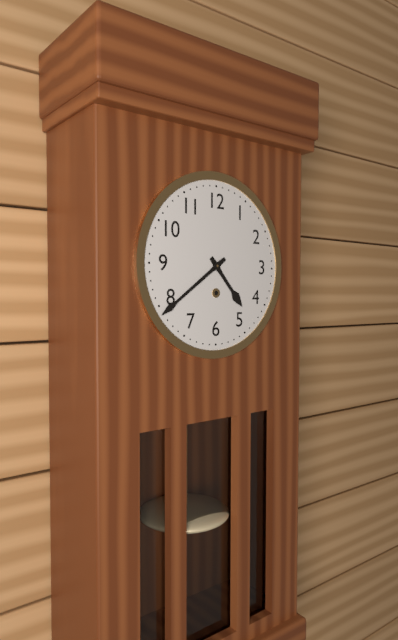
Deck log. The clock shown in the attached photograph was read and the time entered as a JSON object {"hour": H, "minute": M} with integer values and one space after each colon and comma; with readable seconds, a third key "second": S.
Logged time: {"hour": 4, "minute": 39}
